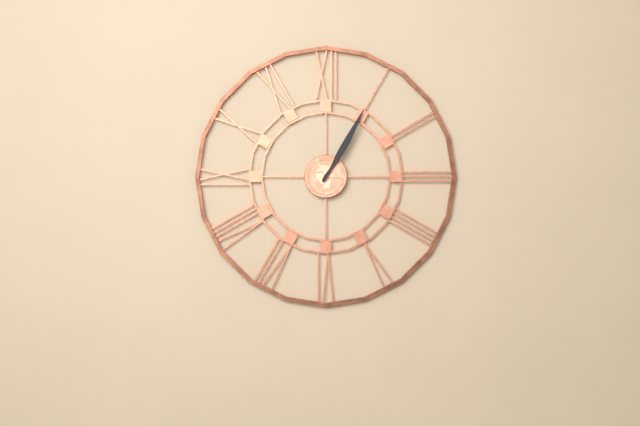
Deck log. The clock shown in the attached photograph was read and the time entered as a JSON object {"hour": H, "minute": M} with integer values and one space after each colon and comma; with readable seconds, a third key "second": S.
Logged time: {"hour": 1, "minute": 5}
